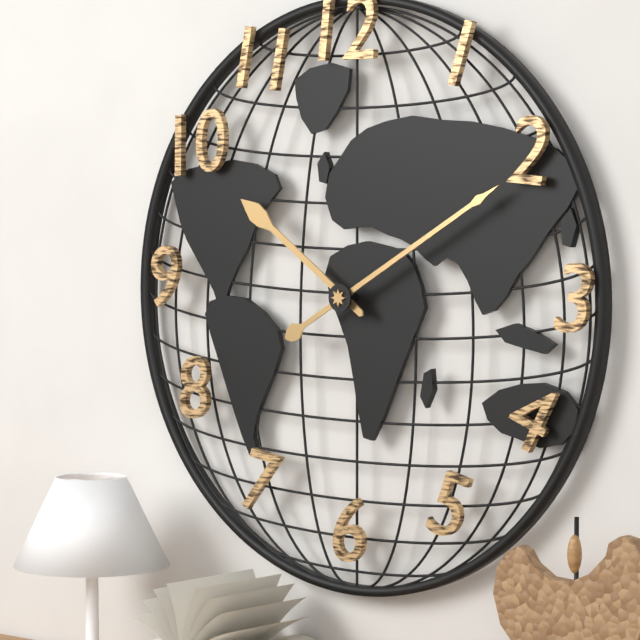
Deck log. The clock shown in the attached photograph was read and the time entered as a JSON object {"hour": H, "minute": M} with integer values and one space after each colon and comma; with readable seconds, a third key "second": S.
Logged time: {"hour": 10, "minute": 10}
